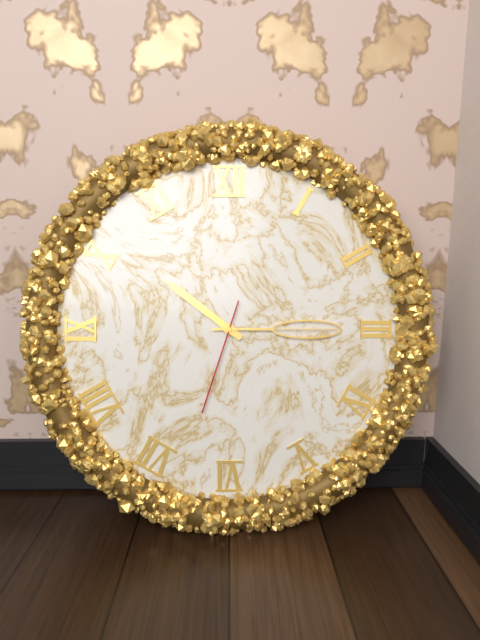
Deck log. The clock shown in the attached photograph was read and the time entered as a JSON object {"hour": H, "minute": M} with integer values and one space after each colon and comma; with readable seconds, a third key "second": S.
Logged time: {"hour": 10, "minute": 15, "second": 33}
